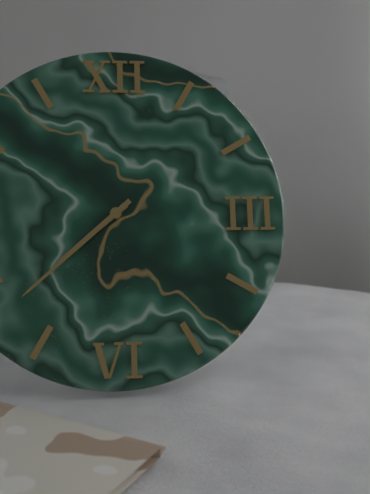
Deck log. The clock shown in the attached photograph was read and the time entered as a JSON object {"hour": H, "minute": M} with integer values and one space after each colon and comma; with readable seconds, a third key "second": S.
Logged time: {"hour": 7, "minute": 38}
